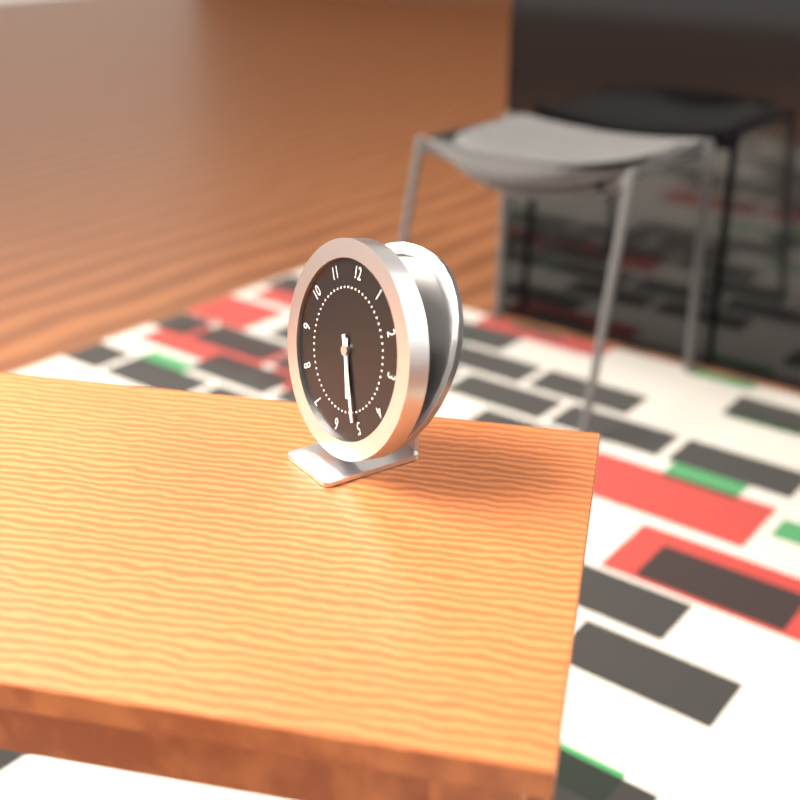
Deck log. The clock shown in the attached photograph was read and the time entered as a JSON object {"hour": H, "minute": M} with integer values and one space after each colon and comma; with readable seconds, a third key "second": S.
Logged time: {"hour": 5, "minute": 26}
